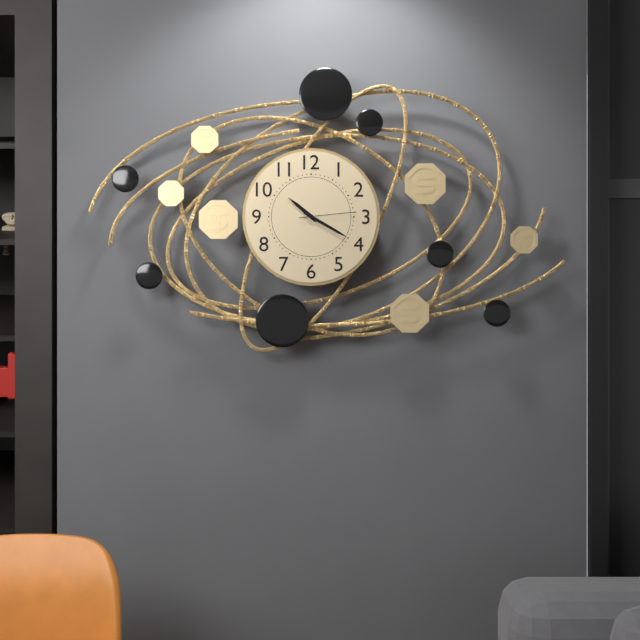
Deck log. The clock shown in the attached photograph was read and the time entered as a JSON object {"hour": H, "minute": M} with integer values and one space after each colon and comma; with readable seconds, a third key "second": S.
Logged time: {"hour": 10, "minute": 20, "second": 14}
